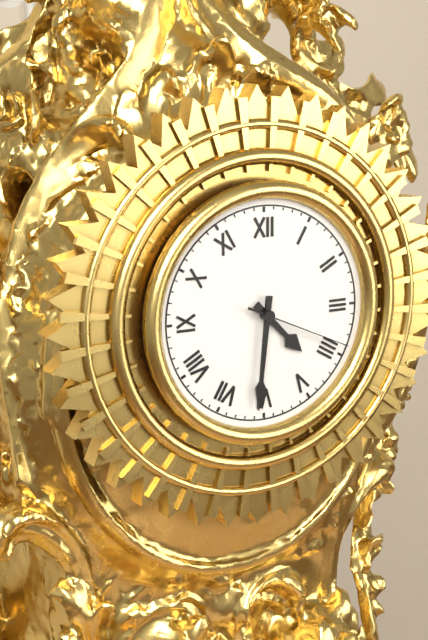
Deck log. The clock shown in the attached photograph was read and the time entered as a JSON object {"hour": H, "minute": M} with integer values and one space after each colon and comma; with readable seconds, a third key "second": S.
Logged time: {"hour": 4, "minute": 31, "second": 19}
